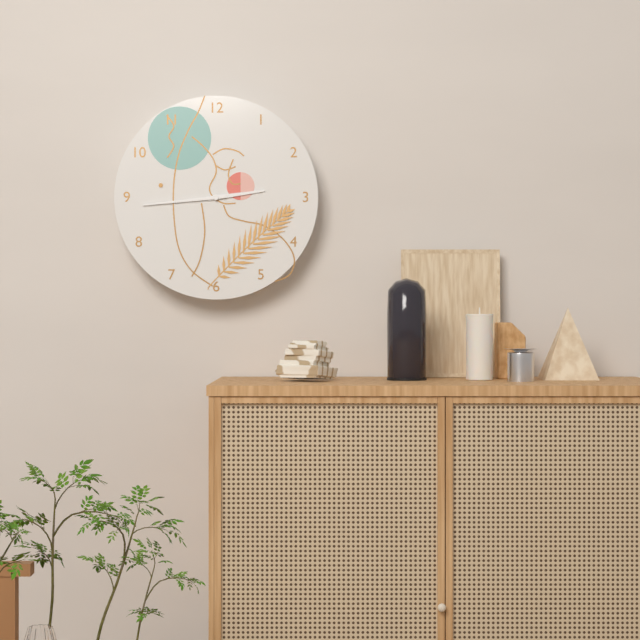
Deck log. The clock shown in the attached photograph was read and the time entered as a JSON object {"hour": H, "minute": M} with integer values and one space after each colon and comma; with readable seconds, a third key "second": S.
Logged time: {"hour": 2, "minute": 44}
